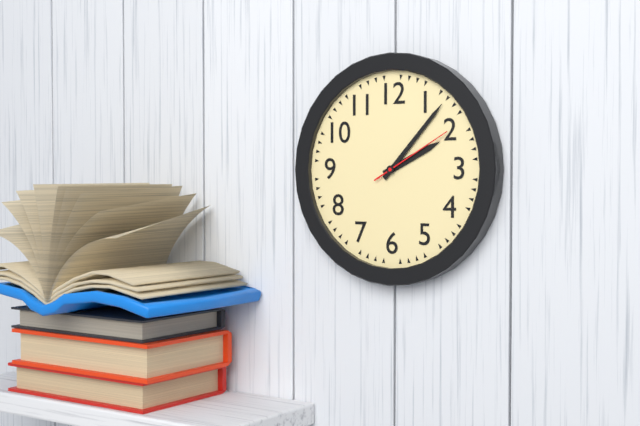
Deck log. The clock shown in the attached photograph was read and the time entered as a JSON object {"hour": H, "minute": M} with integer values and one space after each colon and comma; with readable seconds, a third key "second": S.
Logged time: {"hour": 2, "minute": 7, "second": 10}
